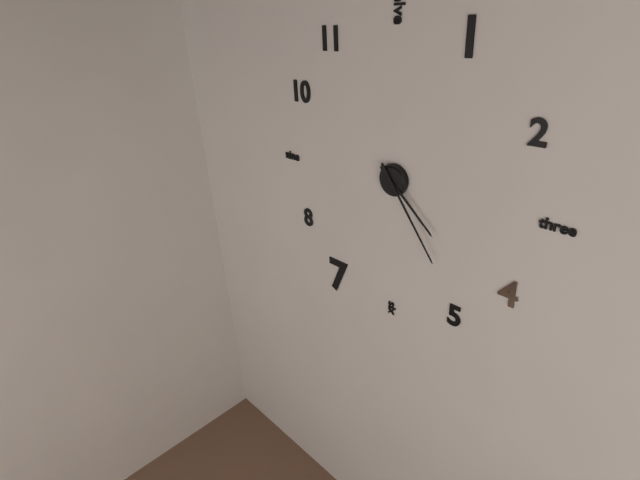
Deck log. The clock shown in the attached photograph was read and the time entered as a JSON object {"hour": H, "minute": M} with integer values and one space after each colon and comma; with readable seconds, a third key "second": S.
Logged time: {"hour": 4, "minute": 24}
